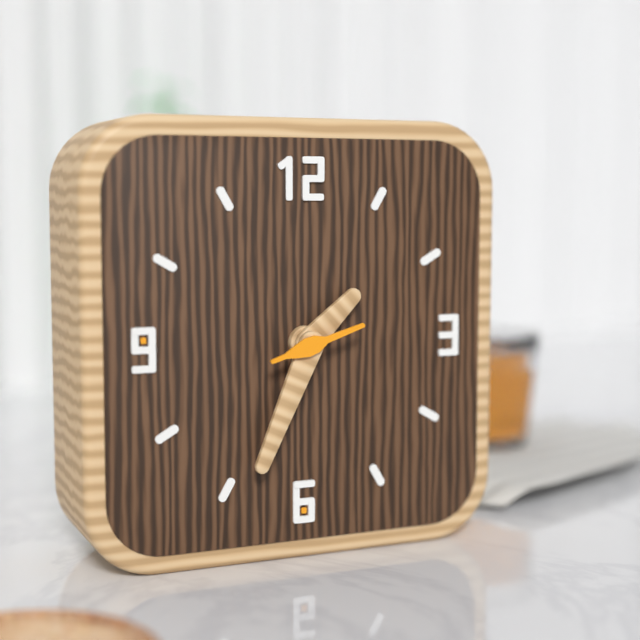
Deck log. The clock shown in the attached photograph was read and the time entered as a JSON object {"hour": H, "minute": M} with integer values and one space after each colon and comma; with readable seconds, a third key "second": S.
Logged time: {"hour": 1, "minute": 34, "second": 12}
